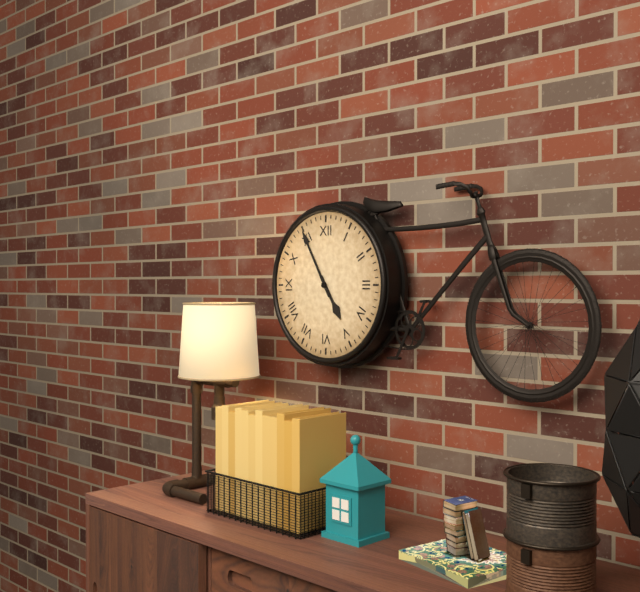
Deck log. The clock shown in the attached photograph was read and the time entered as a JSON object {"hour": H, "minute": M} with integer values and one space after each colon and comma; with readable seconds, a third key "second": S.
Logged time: {"hour": 4, "minute": 55}
